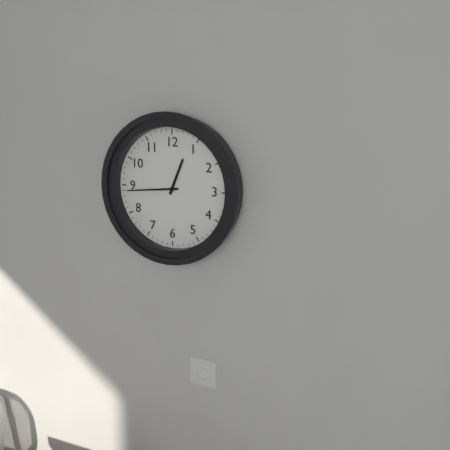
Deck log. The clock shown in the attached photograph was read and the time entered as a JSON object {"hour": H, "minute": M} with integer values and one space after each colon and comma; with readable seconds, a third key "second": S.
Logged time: {"hour": 12, "minute": 44}
